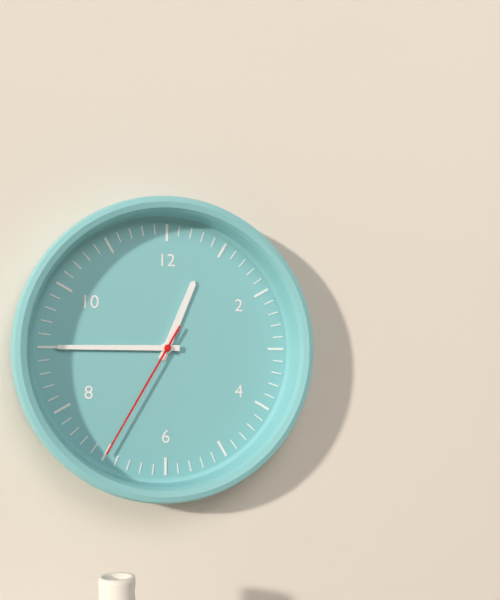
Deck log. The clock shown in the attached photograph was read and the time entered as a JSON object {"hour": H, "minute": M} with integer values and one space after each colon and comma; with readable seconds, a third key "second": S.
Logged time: {"hour": 12, "minute": 45, "second": 35}
